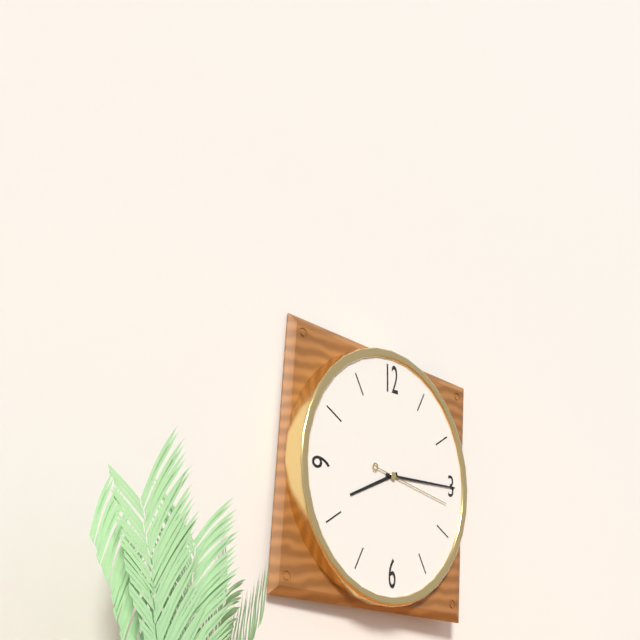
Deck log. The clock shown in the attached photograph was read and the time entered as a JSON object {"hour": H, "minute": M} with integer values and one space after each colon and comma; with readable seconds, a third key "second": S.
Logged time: {"hour": 8, "minute": 15, "second": 17}
